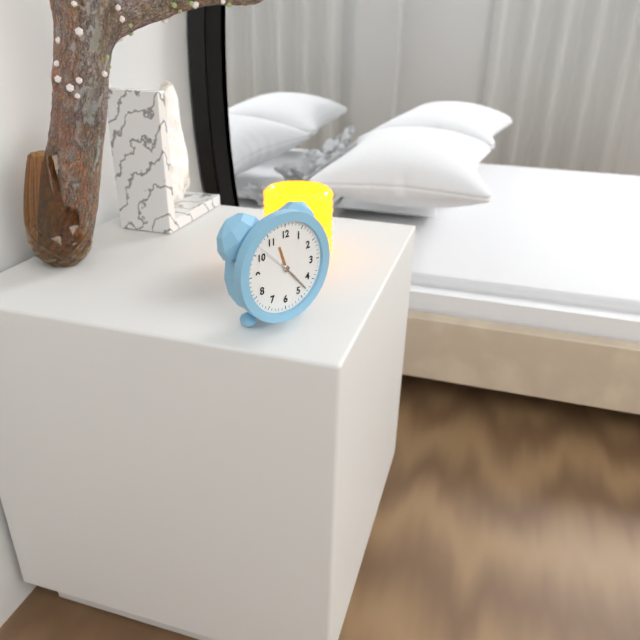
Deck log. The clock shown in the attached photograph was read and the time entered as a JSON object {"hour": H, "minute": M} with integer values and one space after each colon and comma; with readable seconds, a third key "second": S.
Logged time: {"hour": 11, "minute": 23}
